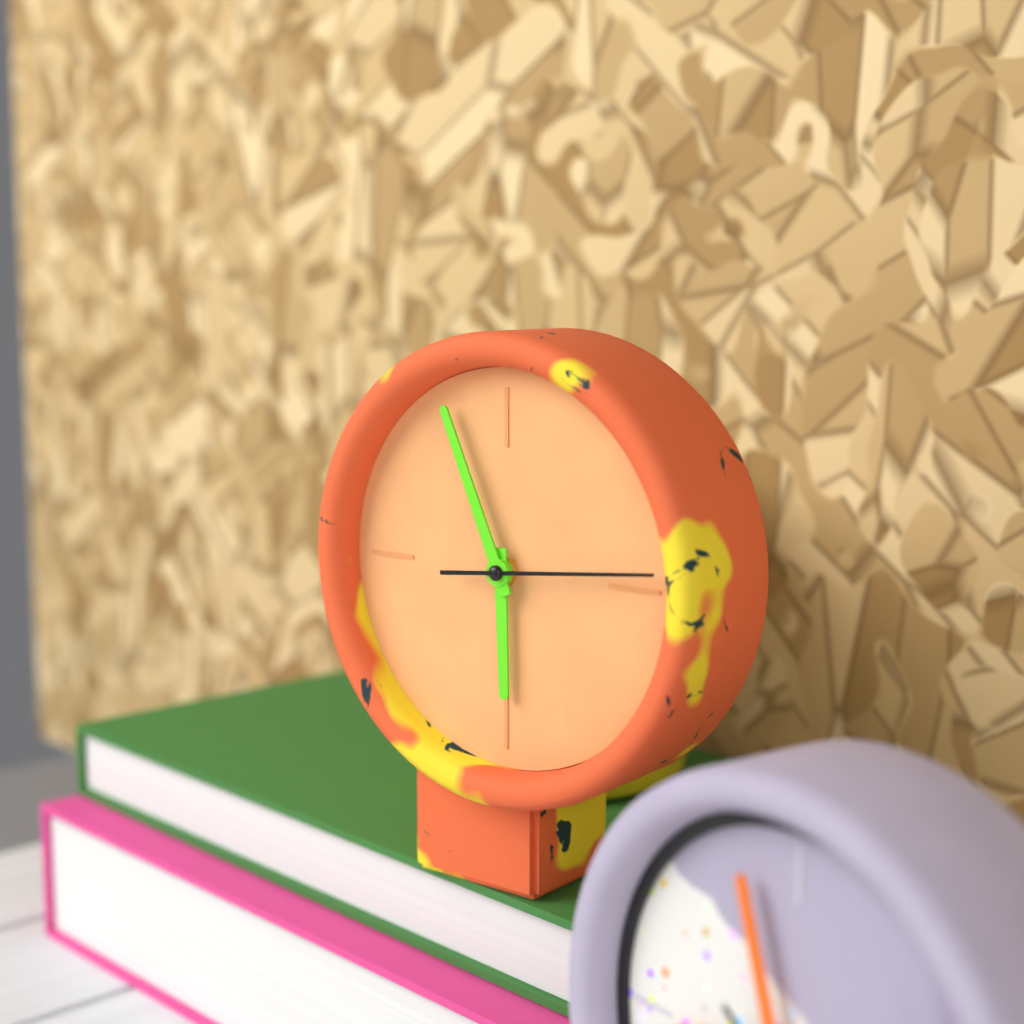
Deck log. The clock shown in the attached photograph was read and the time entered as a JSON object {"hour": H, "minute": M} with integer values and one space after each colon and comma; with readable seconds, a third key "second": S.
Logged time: {"hour": 5, "minute": 56, "second": 14}
